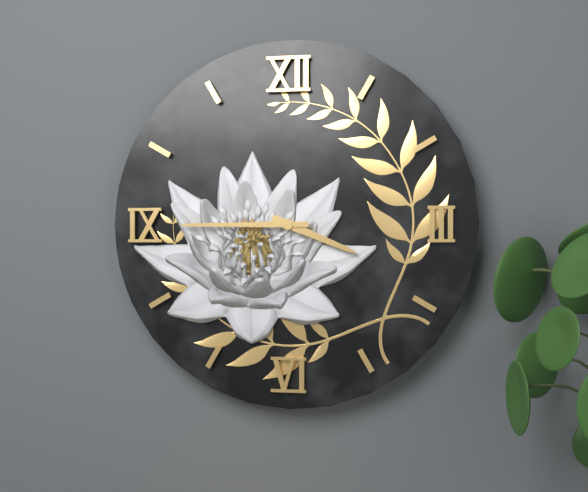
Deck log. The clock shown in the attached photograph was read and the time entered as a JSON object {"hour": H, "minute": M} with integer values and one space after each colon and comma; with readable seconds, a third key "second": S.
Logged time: {"hour": 3, "minute": 45}
